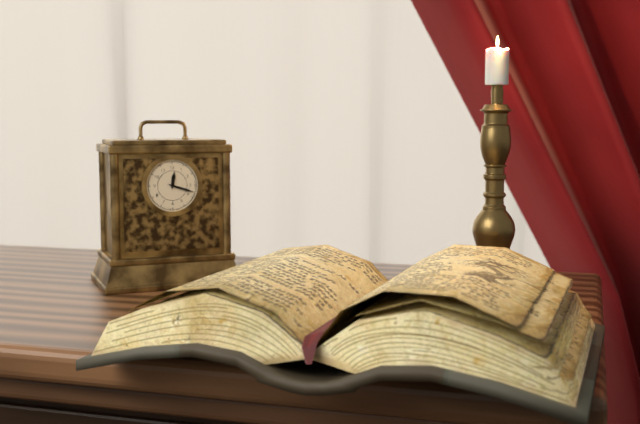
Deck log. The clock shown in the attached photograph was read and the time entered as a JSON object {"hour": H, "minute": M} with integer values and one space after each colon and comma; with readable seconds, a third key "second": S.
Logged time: {"hour": 12, "minute": 18}
